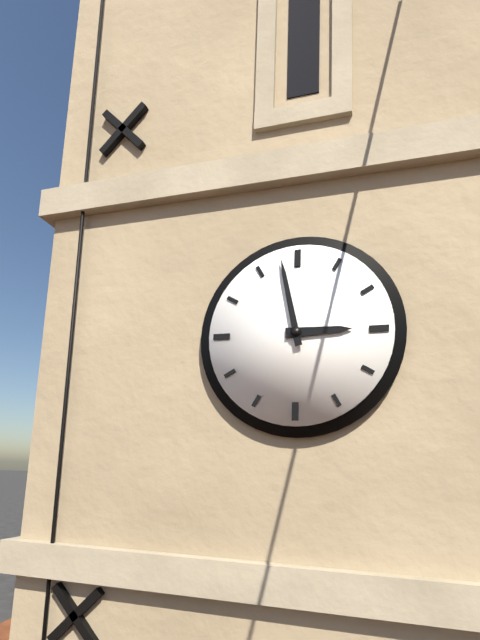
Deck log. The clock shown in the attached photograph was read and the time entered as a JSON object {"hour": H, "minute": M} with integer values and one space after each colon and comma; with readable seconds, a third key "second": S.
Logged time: {"hour": 2, "minute": 58}
